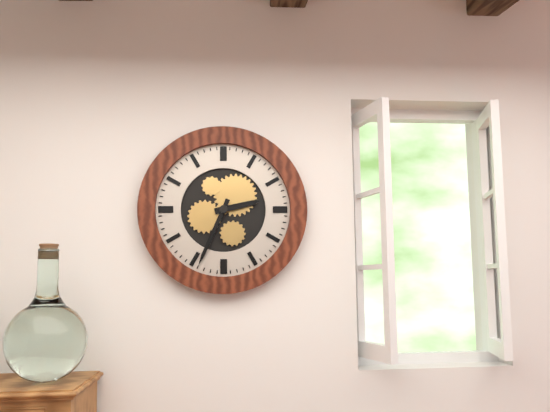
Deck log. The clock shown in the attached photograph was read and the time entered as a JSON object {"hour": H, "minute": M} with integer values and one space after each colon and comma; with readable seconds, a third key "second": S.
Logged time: {"hour": 2, "minute": 34}
